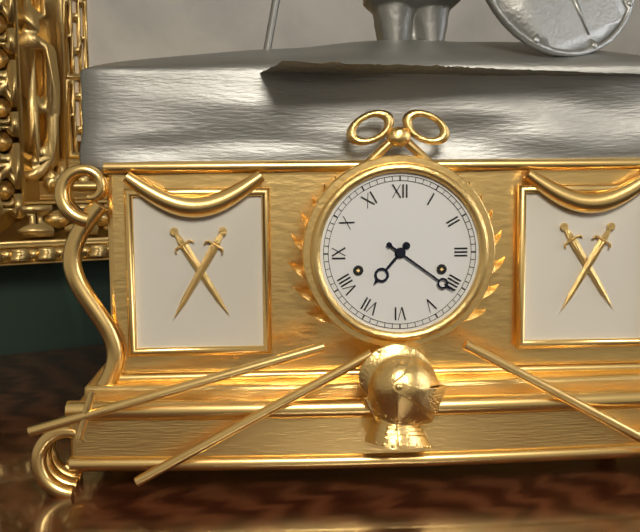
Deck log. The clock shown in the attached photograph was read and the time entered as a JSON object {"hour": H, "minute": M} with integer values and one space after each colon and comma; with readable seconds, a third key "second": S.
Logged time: {"hour": 7, "minute": 21}
